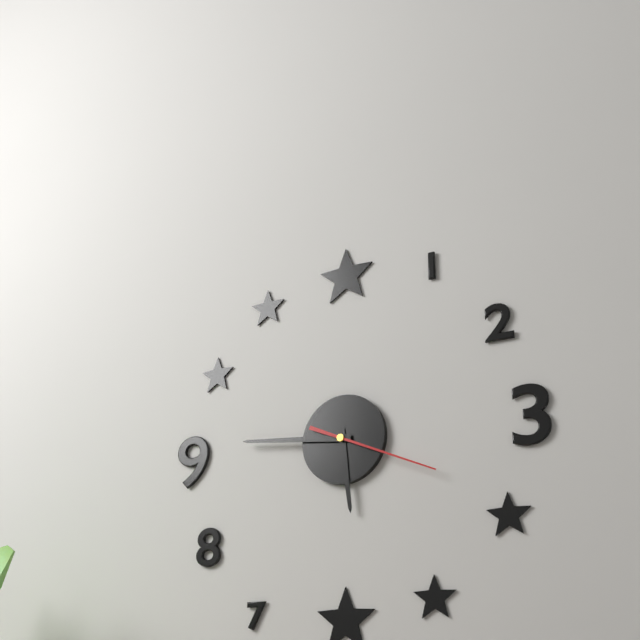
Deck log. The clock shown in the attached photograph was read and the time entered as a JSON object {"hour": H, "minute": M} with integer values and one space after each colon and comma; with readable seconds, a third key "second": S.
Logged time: {"hour": 5, "minute": 46, "second": 19}
